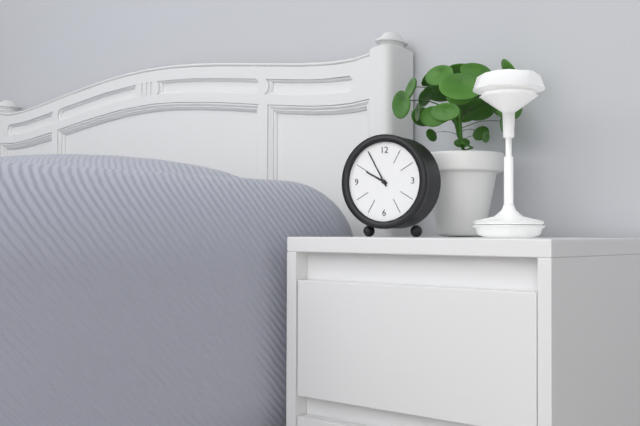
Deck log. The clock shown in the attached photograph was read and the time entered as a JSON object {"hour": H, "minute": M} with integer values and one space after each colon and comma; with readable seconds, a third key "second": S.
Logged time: {"hour": 9, "minute": 55}
